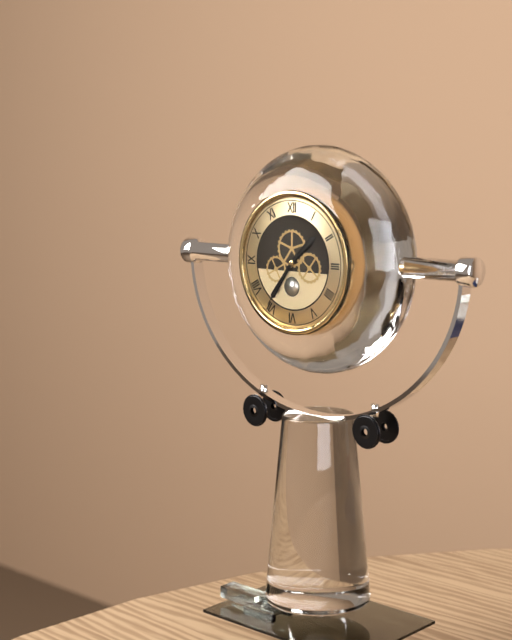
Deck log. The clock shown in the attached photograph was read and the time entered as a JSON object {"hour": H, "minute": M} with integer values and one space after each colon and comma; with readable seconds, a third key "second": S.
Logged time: {"hour": 1, "minute": 36}
